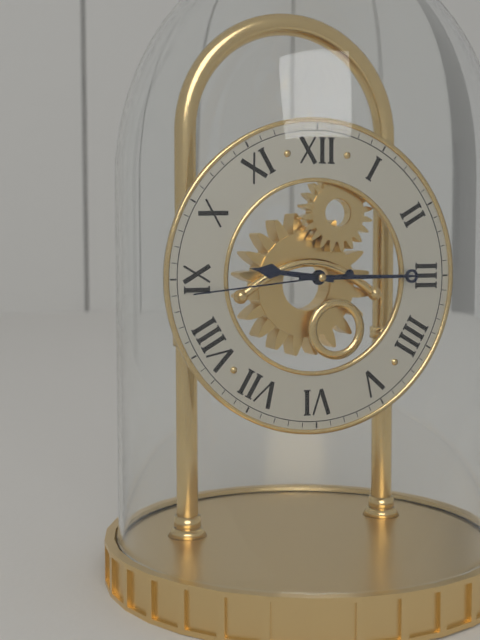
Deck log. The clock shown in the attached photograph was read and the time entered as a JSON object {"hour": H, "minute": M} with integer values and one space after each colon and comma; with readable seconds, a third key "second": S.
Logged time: {"hour": 9, "minute": 15, "second": 44}
